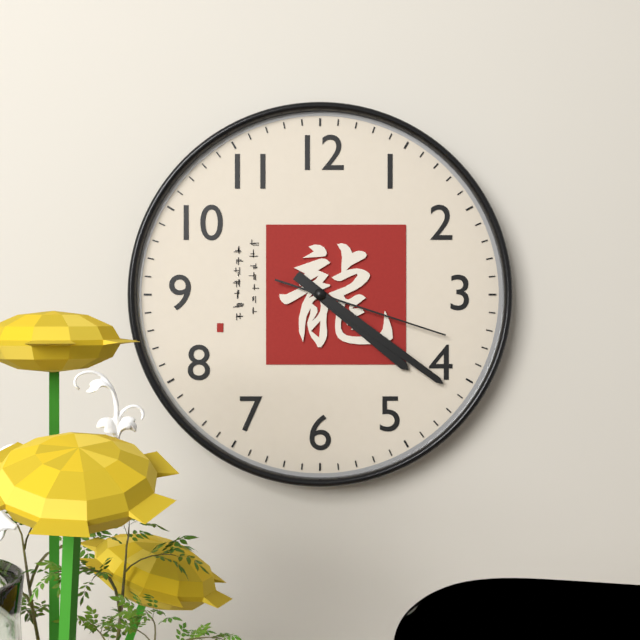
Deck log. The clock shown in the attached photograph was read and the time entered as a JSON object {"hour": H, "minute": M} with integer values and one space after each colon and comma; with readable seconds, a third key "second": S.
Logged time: {"hour": 4, "minute": 21, "second": 18}
